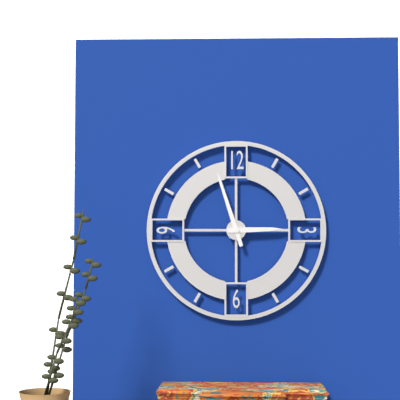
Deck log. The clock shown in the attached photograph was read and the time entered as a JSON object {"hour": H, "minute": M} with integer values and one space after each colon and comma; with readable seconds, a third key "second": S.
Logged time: {"hour": 2, "minute": 57}
